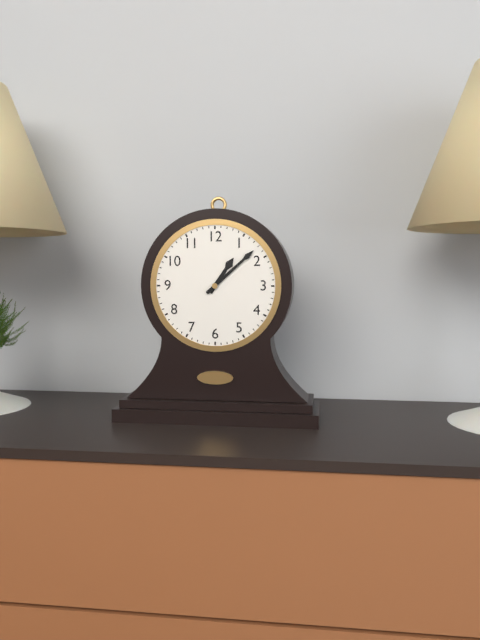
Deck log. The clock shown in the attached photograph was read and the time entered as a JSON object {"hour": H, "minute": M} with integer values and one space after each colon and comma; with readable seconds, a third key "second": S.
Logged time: {"hour": 1, "minute": 8}
